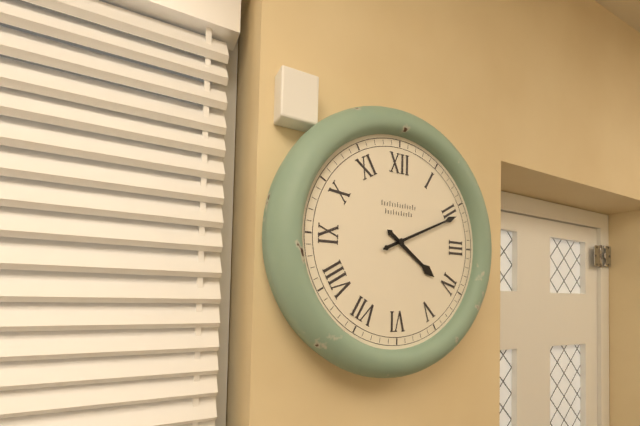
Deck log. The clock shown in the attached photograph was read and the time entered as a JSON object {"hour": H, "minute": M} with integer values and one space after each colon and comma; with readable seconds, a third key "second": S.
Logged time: {"hour": 4, "minute": 11}
